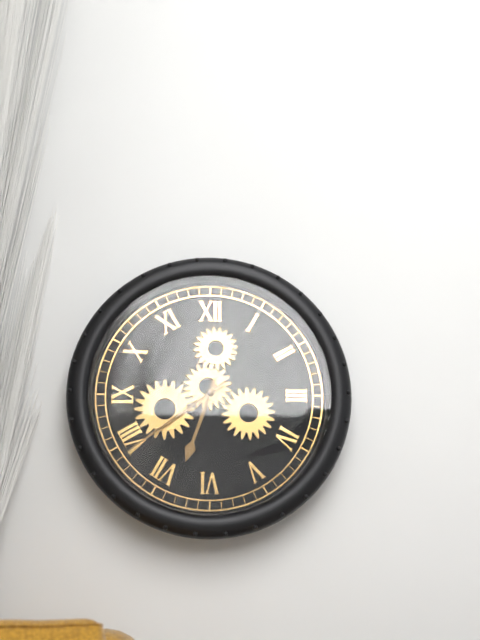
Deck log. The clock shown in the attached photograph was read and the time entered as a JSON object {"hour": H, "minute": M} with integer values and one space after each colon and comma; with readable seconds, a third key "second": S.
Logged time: {"hour": 6, "minute": 39}
